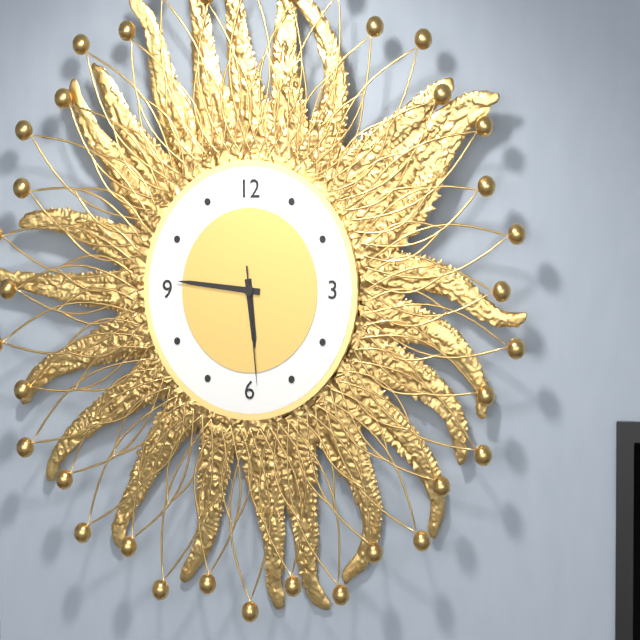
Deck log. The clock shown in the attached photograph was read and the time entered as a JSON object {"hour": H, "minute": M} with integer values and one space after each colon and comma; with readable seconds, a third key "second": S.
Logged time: {"hour": 5, "minute": 46, "second": 29}
